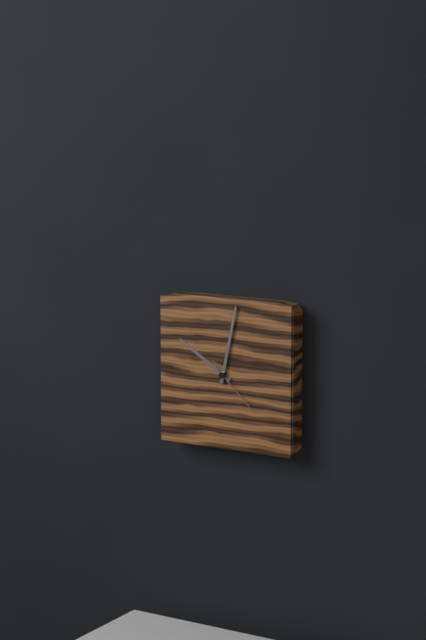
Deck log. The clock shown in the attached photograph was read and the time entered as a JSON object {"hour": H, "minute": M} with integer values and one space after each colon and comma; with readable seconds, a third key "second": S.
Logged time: {"hour": 10, "minute": 2, "second": 22}
